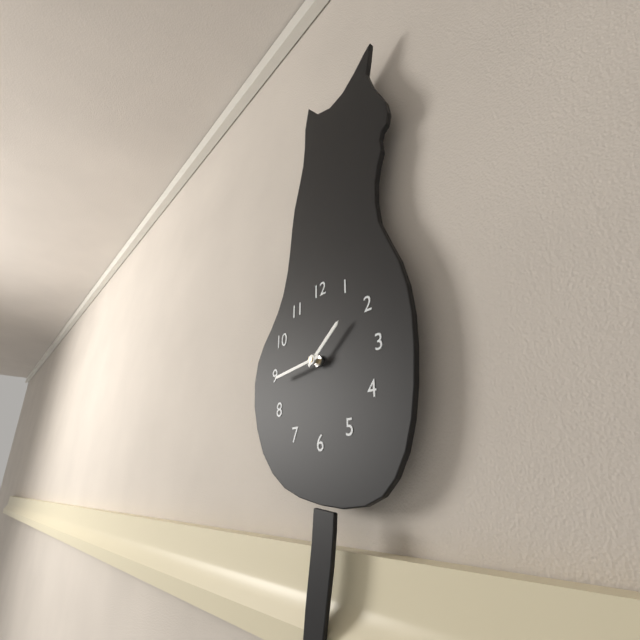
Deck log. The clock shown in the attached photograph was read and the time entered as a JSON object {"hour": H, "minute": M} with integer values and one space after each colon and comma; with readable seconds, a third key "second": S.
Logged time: {"hour": 1, "minute": 44}
